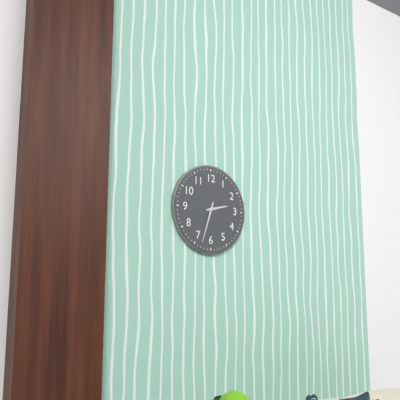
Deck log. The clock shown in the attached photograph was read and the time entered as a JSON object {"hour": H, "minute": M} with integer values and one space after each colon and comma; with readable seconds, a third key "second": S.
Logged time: {"hour": 2, "minute": 33}
